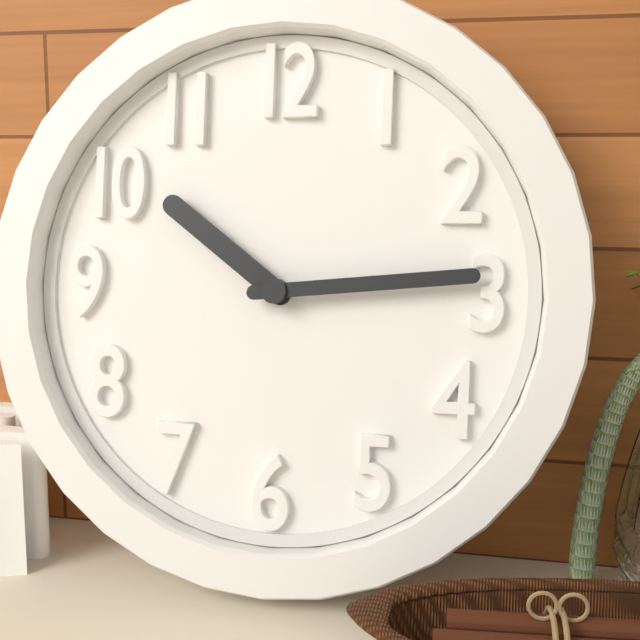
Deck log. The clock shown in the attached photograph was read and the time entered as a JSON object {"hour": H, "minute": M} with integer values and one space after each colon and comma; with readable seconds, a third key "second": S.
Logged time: {"hour": 10, "minute": 14}
